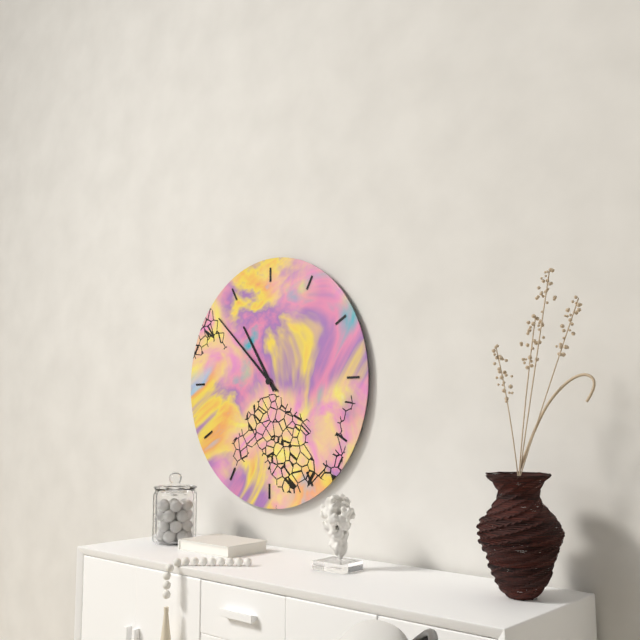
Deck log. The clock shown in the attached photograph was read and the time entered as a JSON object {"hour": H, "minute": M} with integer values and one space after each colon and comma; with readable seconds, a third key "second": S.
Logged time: {"hour": 10, "minute": 52}
